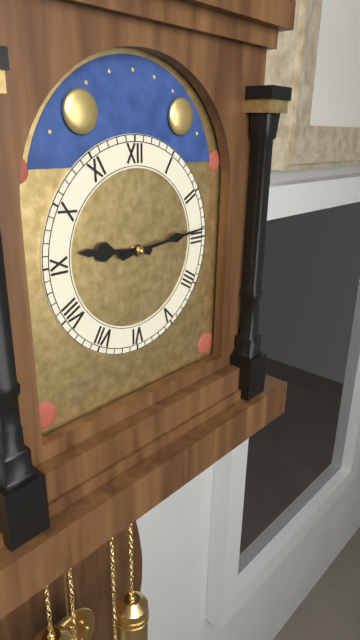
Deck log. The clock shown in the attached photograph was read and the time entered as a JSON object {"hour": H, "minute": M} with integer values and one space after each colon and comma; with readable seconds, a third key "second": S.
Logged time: {"hour": 9, "minute": 14}
